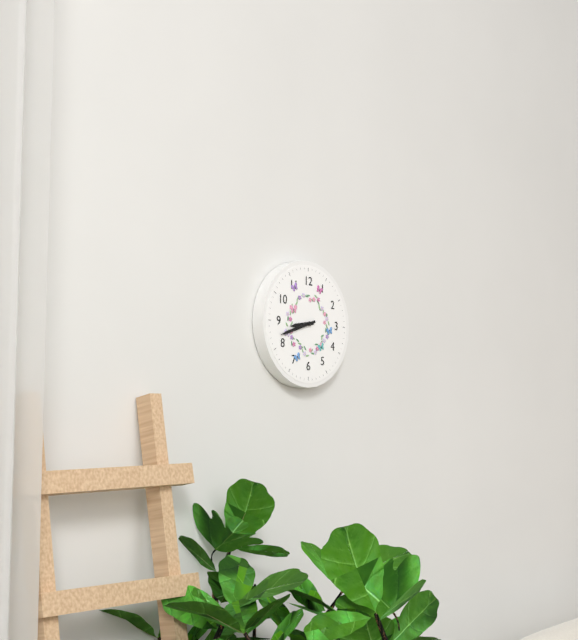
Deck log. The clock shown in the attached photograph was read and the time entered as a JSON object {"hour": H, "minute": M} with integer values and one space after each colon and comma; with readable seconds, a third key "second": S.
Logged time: {"hour": 8, "minute": 42}
